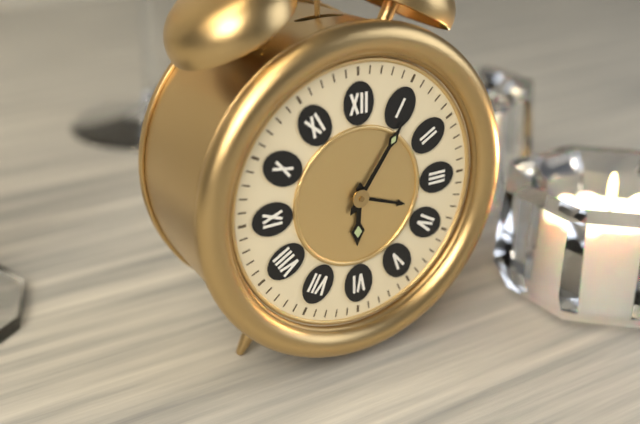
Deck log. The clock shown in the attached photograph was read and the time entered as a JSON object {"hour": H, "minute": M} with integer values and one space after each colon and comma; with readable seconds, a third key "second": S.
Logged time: {"hour": 6, "minute": 6}
